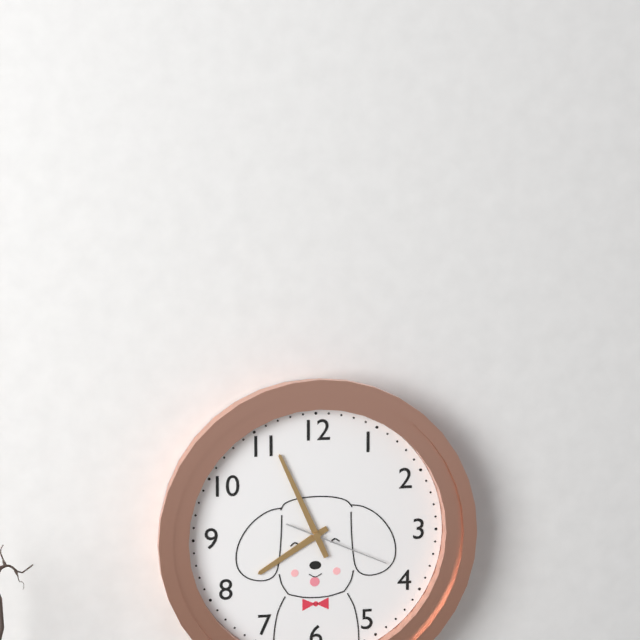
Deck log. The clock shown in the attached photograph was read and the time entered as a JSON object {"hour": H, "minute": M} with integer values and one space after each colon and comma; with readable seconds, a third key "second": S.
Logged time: {"hour": 7, "minute": 56, "second": 19}
